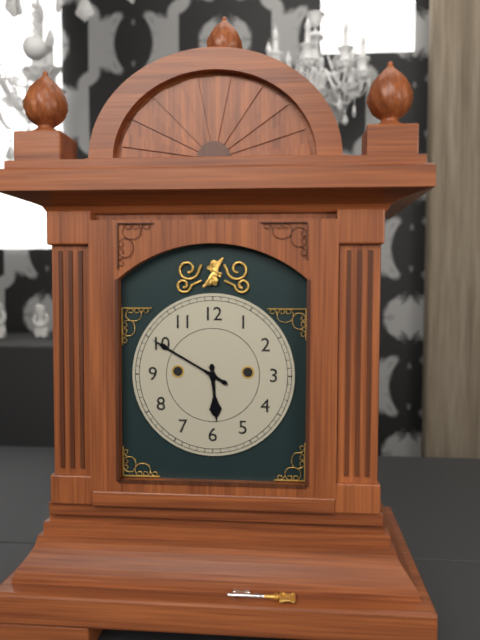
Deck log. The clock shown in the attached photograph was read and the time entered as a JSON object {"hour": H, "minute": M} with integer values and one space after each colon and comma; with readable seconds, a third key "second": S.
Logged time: {"hour": 5, "minute": 50}
